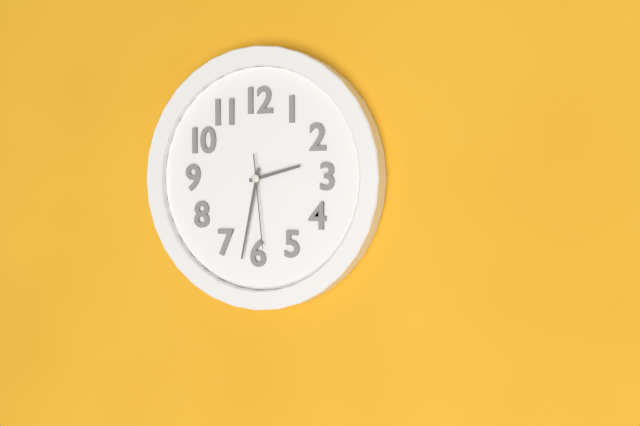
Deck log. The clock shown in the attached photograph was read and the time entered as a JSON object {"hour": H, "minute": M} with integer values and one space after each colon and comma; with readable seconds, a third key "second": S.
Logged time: {"hour": 2, "minute": 32, "second": 29}
